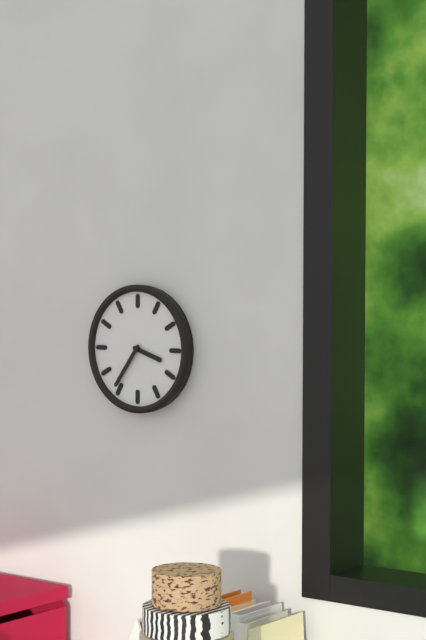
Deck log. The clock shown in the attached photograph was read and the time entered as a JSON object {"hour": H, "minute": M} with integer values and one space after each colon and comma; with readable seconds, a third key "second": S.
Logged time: {"hour": 3, "minute": 36}
